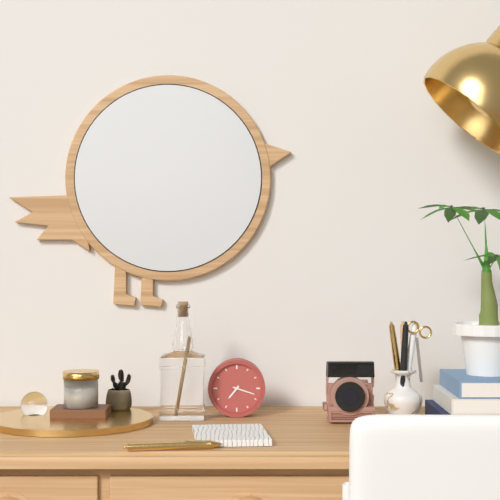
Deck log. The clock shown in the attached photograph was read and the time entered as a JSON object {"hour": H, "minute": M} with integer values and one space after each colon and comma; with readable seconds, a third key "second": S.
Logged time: {"hour": 7, "minute": 18}
